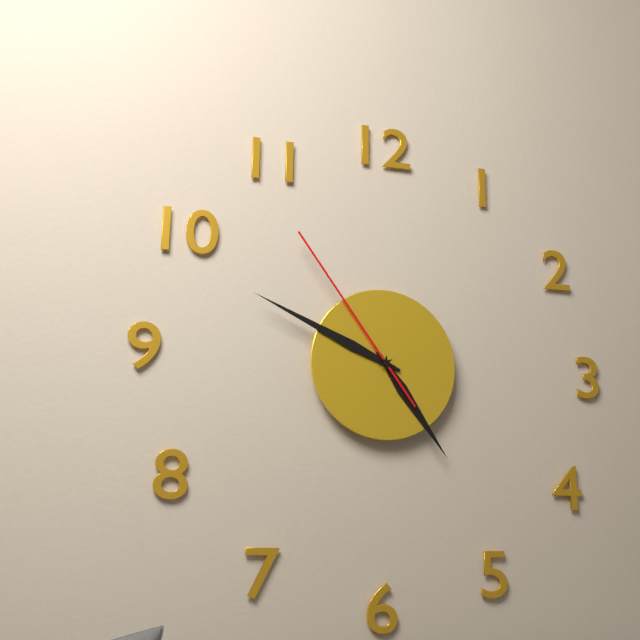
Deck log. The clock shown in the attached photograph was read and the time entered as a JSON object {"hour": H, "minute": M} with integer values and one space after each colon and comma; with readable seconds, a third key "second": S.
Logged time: {"hour": 4, "minute": 49, "second": 54}
